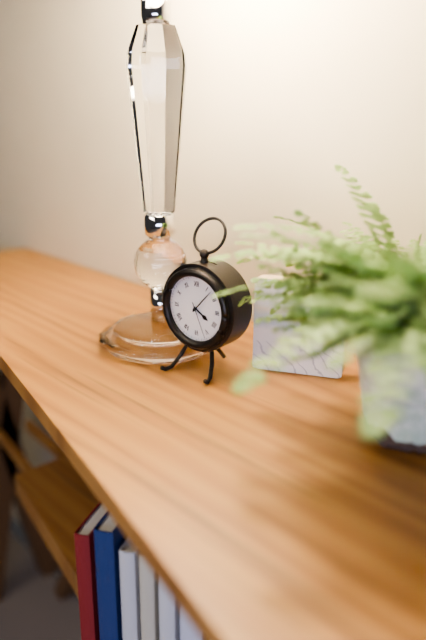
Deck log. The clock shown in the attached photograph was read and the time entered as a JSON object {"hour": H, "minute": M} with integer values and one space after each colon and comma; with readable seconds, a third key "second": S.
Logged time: {"hour": 4, "minute": 7}
